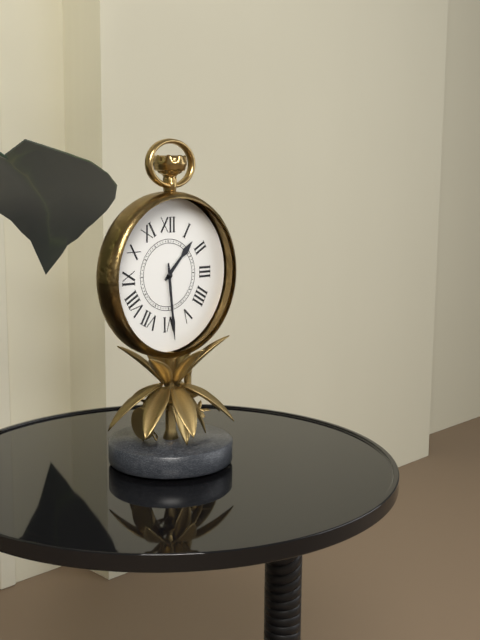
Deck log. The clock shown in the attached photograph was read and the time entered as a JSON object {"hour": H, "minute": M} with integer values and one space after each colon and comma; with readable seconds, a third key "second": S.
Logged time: {"hour": 1, "minute": 29}
